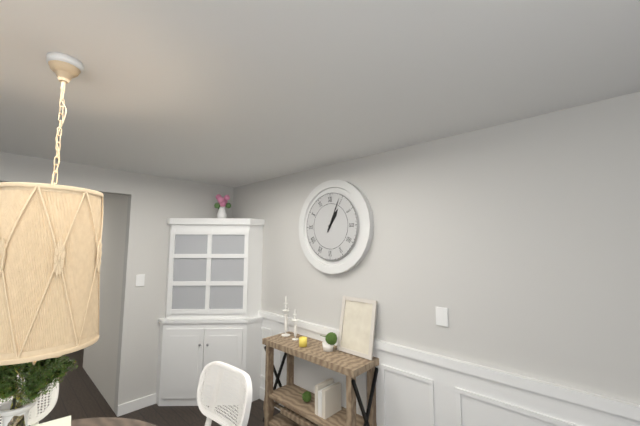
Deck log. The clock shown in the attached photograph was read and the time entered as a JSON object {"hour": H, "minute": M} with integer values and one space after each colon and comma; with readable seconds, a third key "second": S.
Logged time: {"hour": 1, "minute": 4}
